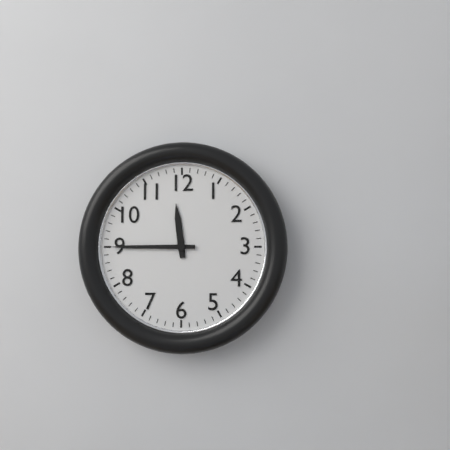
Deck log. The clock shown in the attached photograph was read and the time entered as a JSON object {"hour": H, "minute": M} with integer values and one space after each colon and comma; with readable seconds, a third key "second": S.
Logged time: {"hour": 11, "minute": 45}
